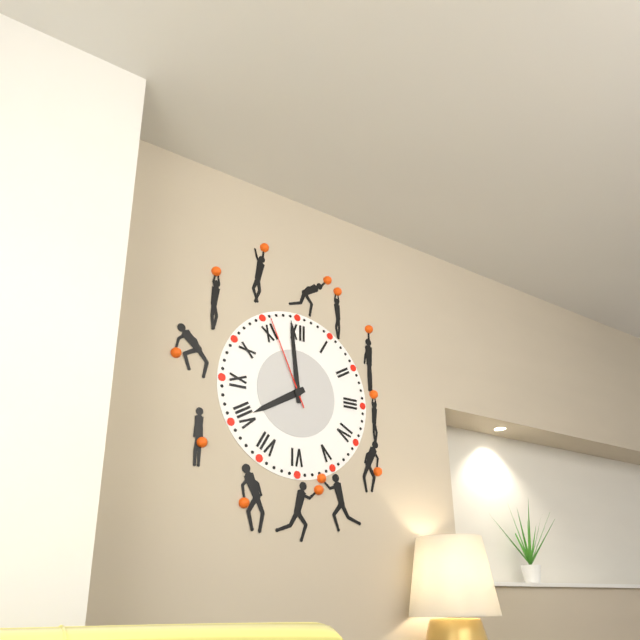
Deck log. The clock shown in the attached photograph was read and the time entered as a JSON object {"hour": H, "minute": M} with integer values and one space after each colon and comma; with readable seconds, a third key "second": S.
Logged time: {"hour": 7, "minute": 59, "second": 56}
